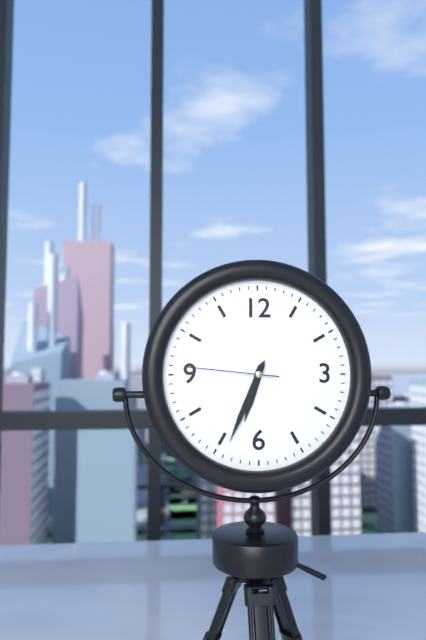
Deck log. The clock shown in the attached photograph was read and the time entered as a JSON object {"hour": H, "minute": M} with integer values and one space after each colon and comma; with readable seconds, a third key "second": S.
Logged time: {"hour": 6, "minute": 34, "second": 46}
